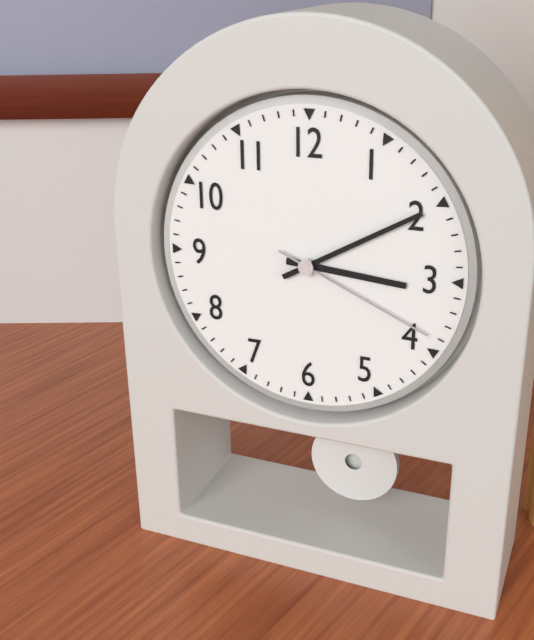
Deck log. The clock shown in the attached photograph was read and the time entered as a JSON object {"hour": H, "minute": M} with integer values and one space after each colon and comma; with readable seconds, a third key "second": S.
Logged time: {"hour": 3, "minute": 10, "second": 19}
